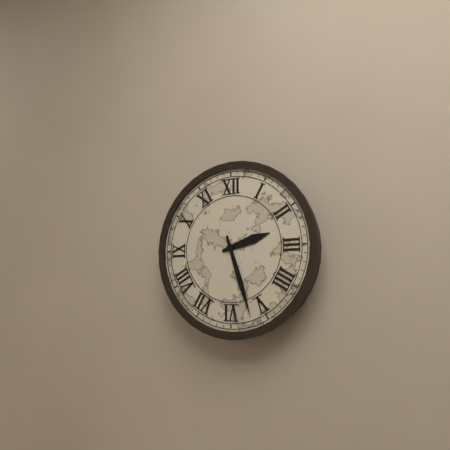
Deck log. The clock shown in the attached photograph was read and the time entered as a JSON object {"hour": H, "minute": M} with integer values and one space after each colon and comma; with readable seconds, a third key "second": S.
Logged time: {"hour": 2, "minute": 27}
